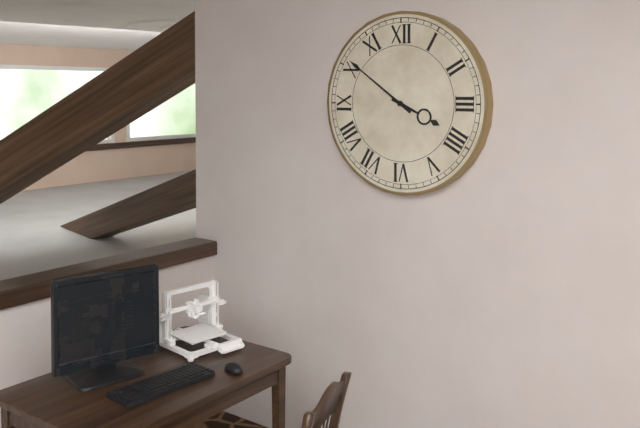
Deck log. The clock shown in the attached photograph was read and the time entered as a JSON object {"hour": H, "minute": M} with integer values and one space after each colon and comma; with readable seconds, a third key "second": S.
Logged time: {"hour": 3, "minute": 51}
